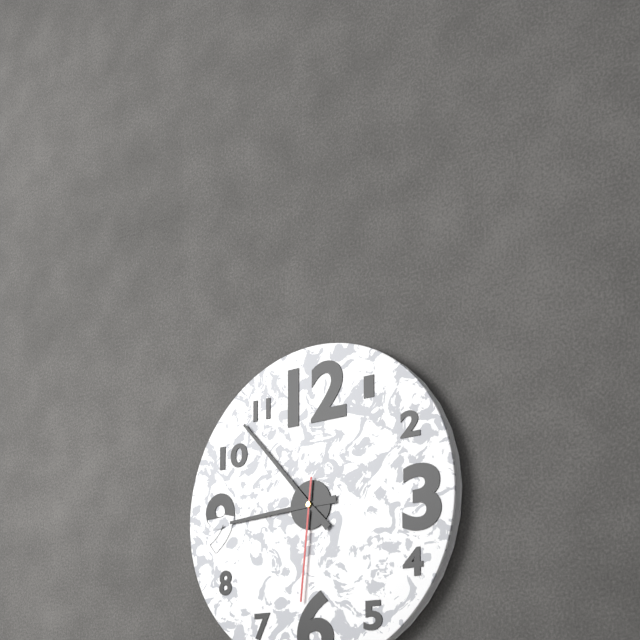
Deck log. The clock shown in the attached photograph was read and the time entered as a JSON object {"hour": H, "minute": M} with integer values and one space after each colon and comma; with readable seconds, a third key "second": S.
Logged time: {"hour": 8, "minute": 53, "second": 31}
